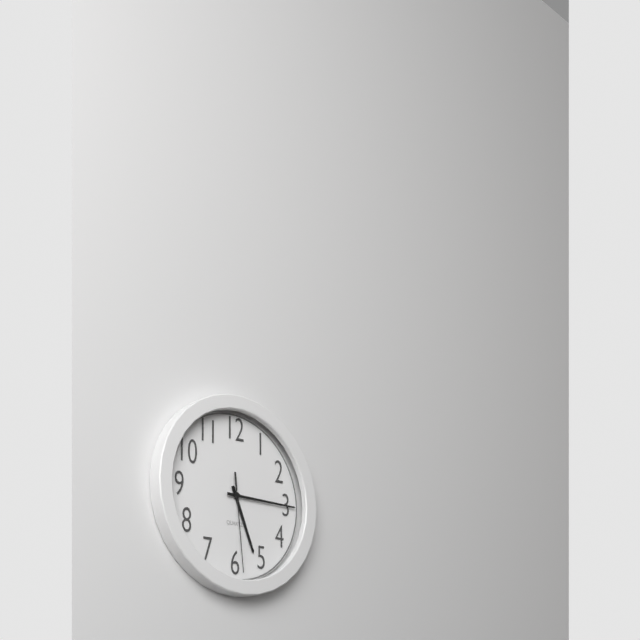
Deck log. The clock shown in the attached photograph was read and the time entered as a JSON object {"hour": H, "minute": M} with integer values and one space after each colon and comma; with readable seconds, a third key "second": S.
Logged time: {"hour": 5, "minute": 15, "second": 29}
